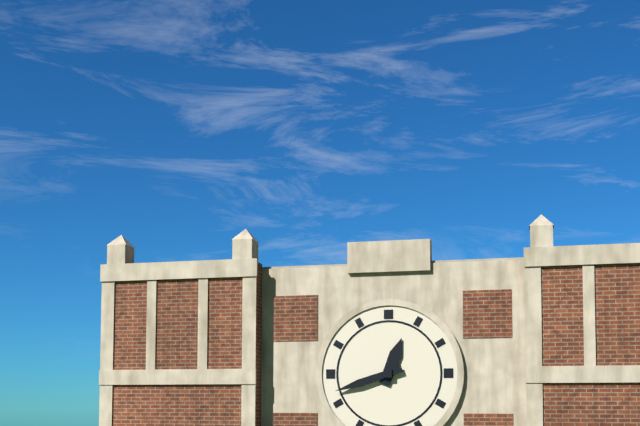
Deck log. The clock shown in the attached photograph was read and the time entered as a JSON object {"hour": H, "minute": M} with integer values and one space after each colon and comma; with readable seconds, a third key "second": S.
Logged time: {"hour": 12, "minute": 42}
